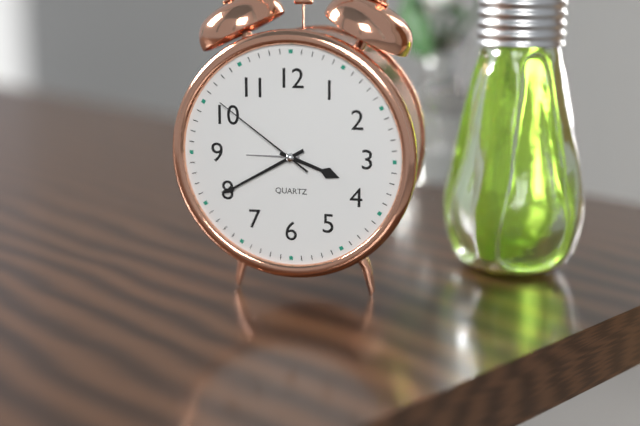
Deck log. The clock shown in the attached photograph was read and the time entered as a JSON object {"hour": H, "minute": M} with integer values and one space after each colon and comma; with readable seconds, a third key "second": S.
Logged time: {"hour": 3, "minute": 40, "second": 51}
